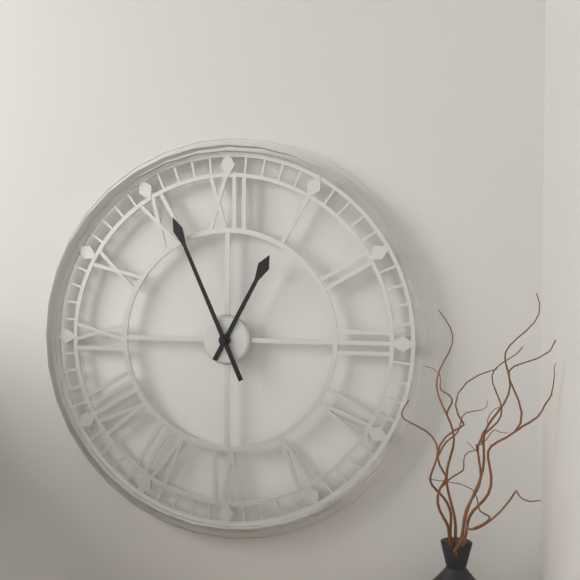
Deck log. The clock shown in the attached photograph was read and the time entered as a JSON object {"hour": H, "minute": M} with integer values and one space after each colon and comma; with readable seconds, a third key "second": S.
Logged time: {"hour": 12, "minute": 56}
